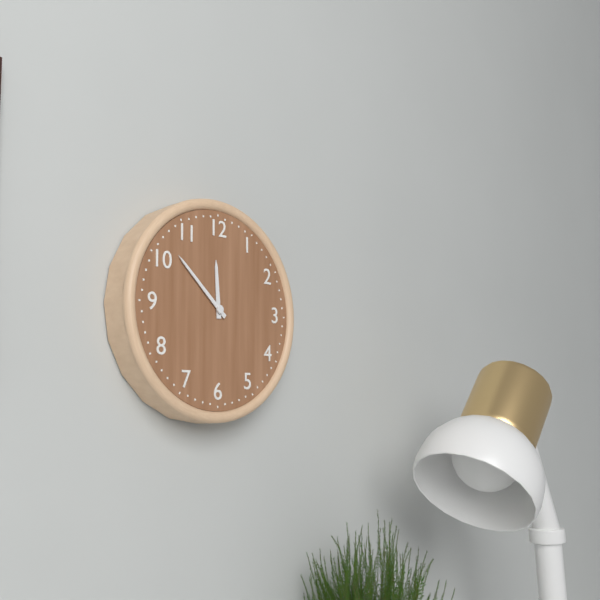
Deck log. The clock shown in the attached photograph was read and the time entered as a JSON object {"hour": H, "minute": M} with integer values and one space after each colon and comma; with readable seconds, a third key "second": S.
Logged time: {"hour": 11, "minute": 52}
